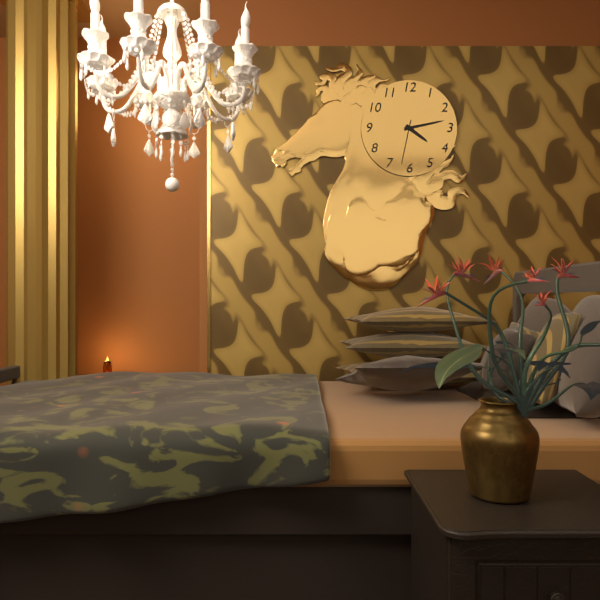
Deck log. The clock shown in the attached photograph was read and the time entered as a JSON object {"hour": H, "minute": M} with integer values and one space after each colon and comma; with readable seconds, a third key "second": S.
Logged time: {"hour": 4, "minute": 13}
